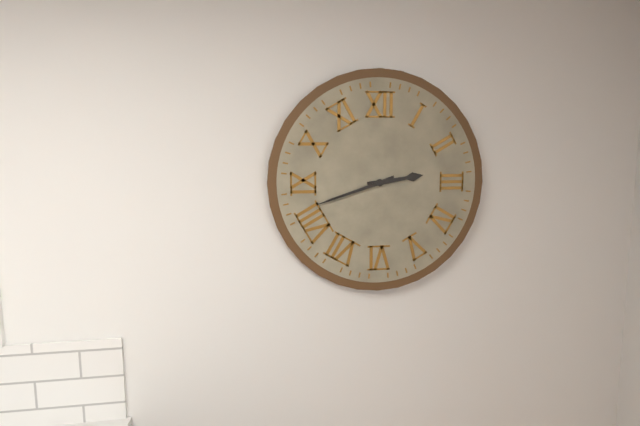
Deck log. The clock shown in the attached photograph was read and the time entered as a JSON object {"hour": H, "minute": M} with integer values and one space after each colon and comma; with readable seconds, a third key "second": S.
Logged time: {"hour": 2, "minute": 42}
